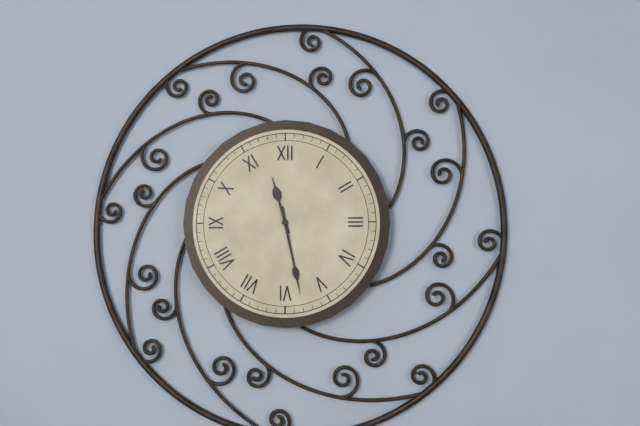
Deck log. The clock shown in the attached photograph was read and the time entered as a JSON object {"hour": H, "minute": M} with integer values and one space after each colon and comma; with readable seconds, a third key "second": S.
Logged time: {"hour": 11, "minute": 28}
